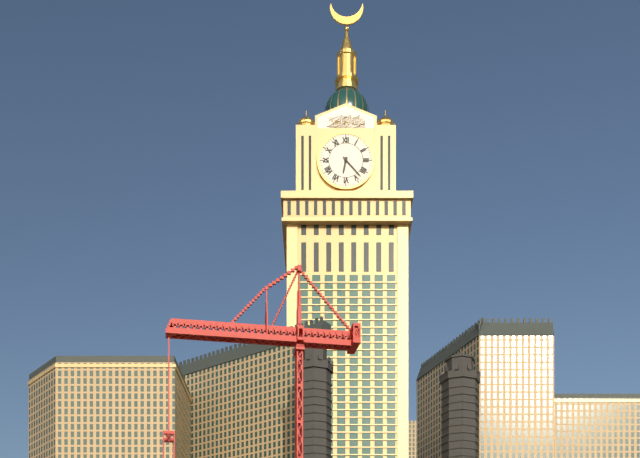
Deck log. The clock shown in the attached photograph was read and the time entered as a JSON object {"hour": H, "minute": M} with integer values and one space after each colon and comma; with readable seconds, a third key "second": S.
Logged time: {"hour": 6, "minute": 23}
